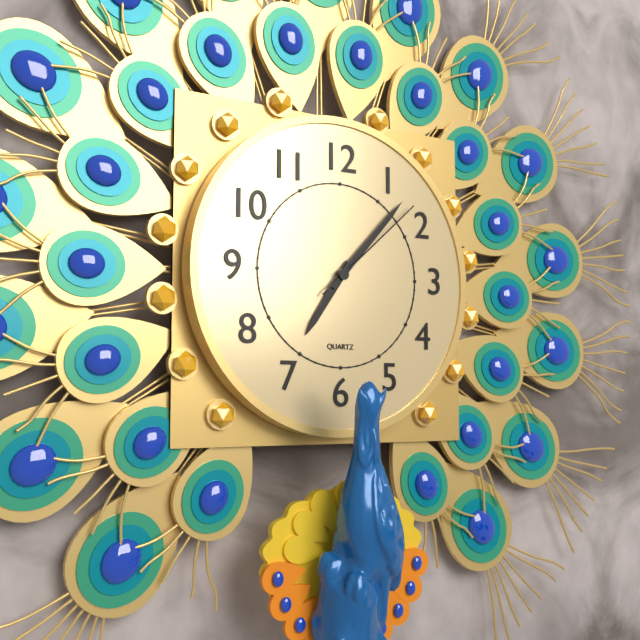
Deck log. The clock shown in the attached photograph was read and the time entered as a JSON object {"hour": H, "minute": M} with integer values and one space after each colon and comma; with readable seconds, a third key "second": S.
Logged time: {"hour": 7, "minute": 7, "second": 8}
